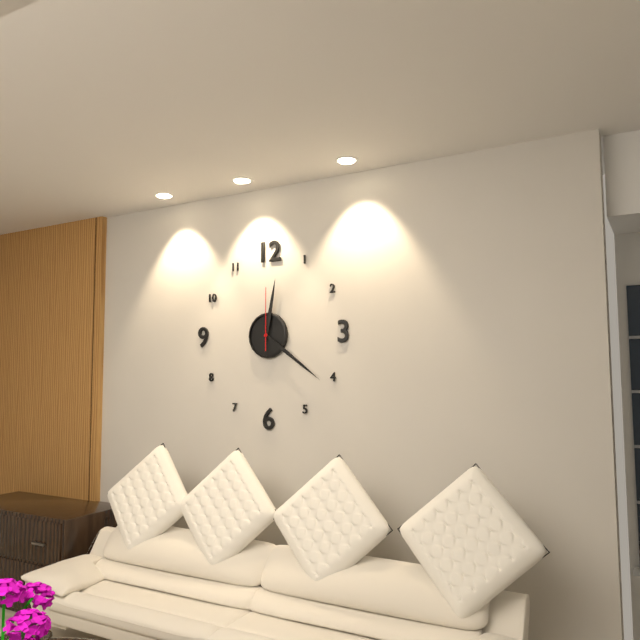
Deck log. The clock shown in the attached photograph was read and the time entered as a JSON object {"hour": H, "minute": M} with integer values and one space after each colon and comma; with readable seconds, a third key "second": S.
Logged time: {"hour": 12, "minute": 21, "second": 0}
